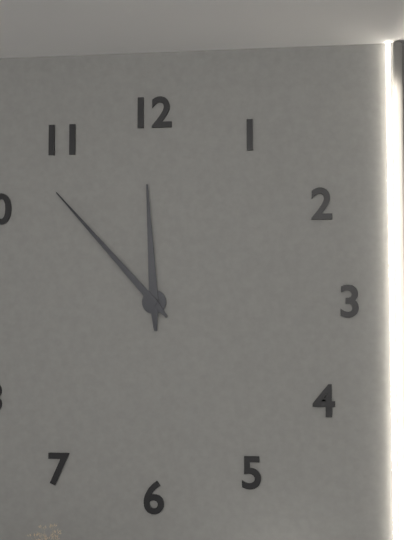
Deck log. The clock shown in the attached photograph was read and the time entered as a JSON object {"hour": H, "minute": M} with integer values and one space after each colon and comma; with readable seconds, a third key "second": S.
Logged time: {"hour": 11, "minute": 53}
